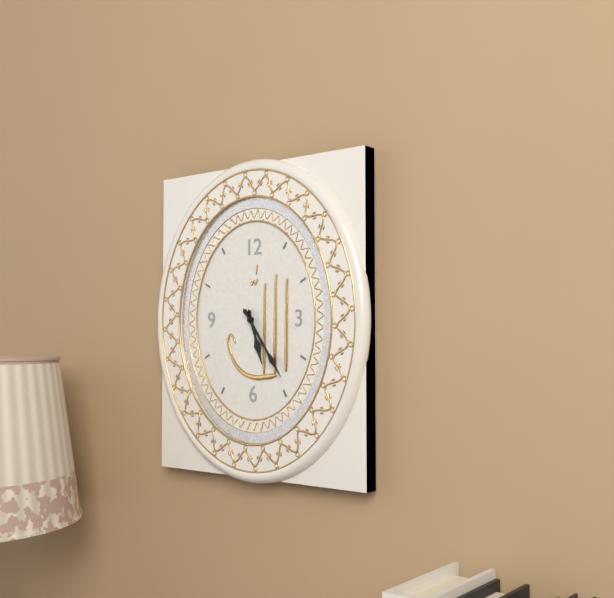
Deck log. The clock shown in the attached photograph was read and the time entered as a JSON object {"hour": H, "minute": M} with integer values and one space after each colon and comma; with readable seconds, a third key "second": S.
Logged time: {"hour": 5, "minute": 24}
